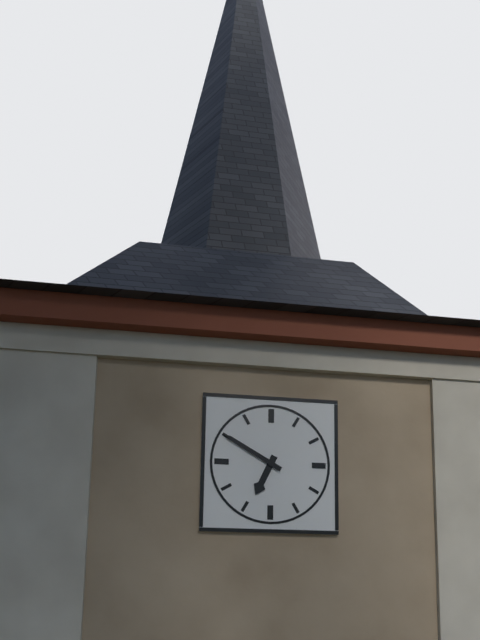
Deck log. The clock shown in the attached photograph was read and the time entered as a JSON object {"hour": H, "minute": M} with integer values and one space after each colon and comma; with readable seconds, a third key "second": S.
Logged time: {"hour": 6, "minute": 50}
